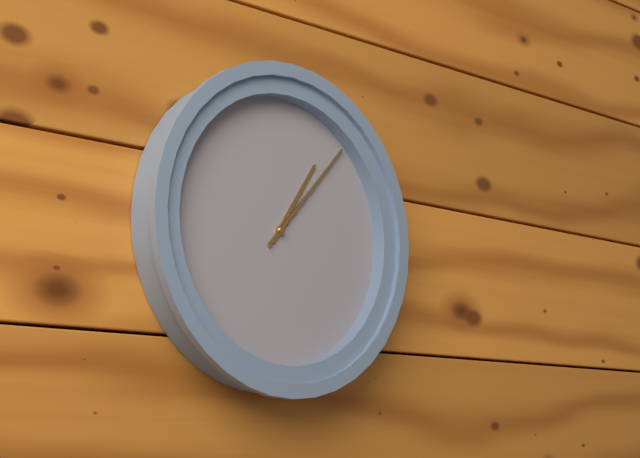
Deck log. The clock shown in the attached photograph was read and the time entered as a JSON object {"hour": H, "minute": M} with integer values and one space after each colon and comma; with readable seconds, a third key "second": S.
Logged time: {"hour": 1, "minute": 7}
